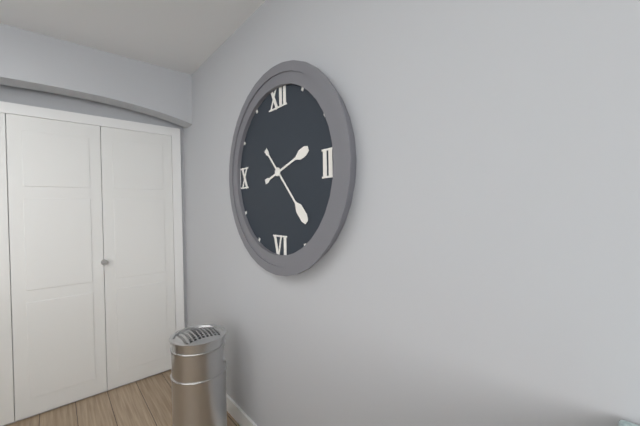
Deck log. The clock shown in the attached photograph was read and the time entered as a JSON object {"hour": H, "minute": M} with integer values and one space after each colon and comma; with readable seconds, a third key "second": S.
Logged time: {"hour": 2, "minute": 23}
